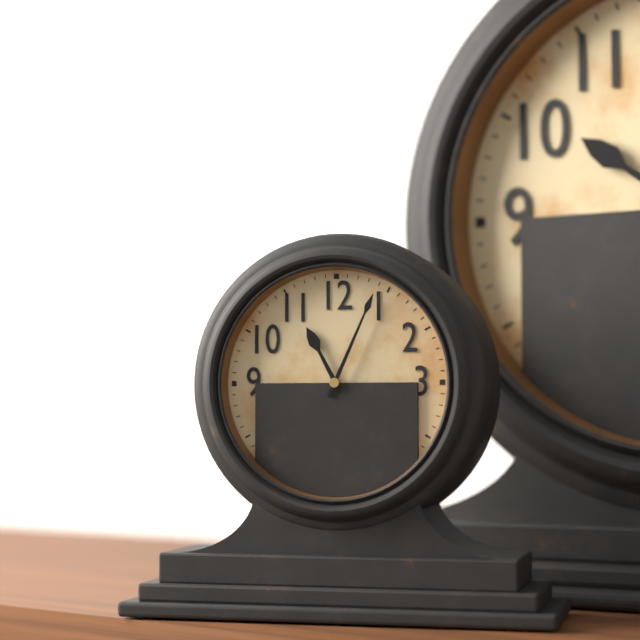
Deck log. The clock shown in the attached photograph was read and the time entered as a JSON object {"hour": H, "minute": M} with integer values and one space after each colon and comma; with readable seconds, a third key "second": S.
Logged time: {"hour": 11, "minute": 4}
